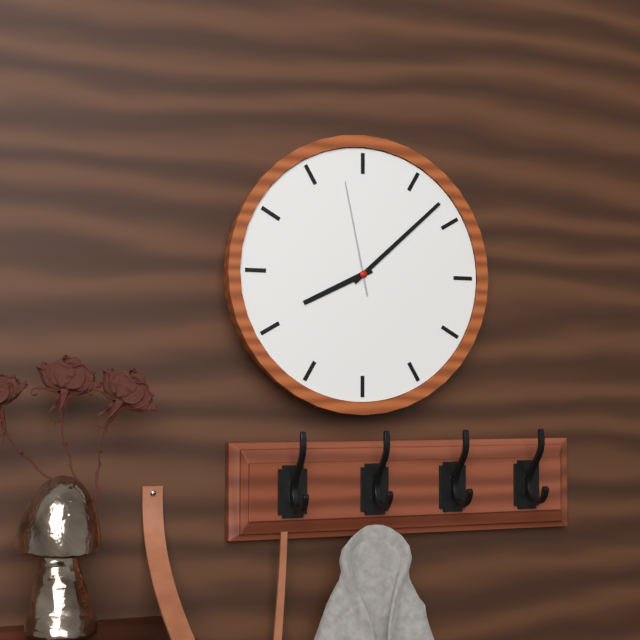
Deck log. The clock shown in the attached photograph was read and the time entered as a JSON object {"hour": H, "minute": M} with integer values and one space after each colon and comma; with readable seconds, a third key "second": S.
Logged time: {"hour": 8, "minute": 8, "second": 58}
